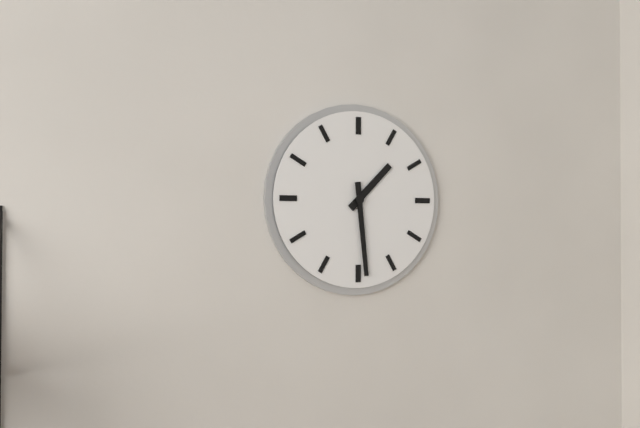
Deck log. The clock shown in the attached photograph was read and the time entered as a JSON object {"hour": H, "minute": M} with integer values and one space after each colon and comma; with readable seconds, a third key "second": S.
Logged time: {"hour": 1, "minute": 29}
